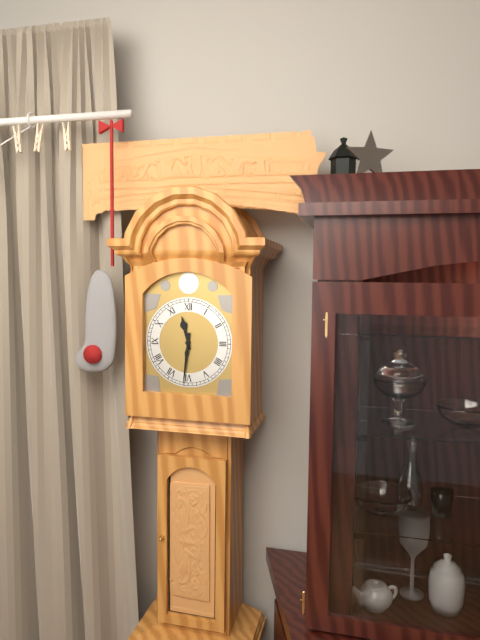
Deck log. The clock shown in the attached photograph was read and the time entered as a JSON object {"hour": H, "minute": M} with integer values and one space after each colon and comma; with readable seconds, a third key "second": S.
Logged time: {"hour": 11, "minute": 31}
